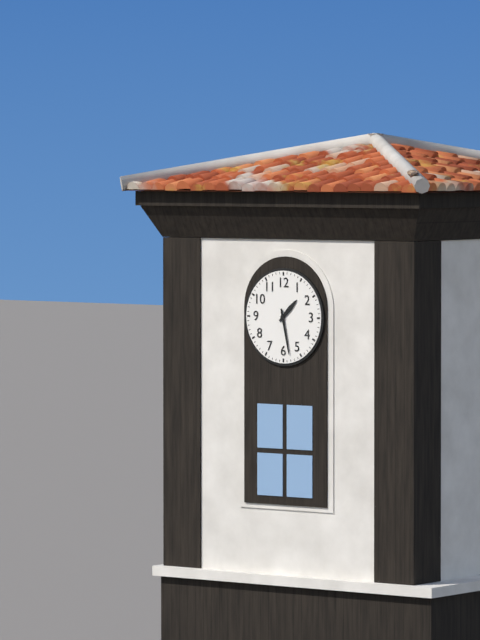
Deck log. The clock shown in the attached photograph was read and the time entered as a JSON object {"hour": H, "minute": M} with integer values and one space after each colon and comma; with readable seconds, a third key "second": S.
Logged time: {"hour": 1, "minute": 28}
